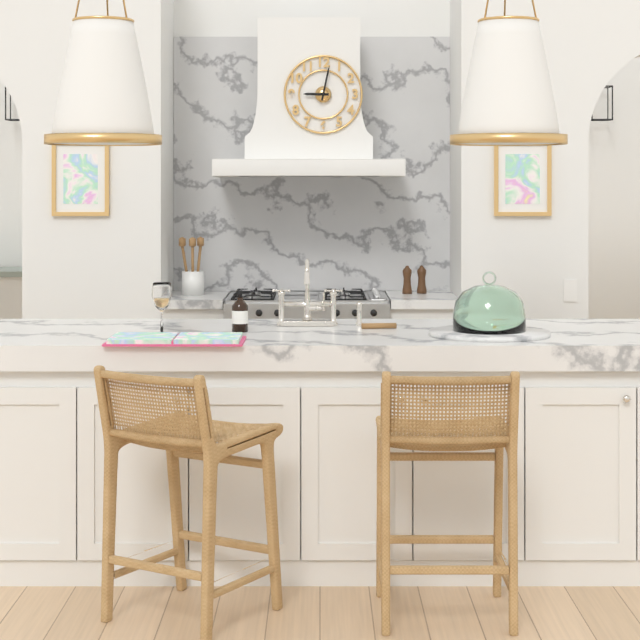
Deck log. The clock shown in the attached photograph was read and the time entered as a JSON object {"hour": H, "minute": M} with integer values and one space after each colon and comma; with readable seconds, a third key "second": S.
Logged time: {"hour": 9, "minute": 2}
